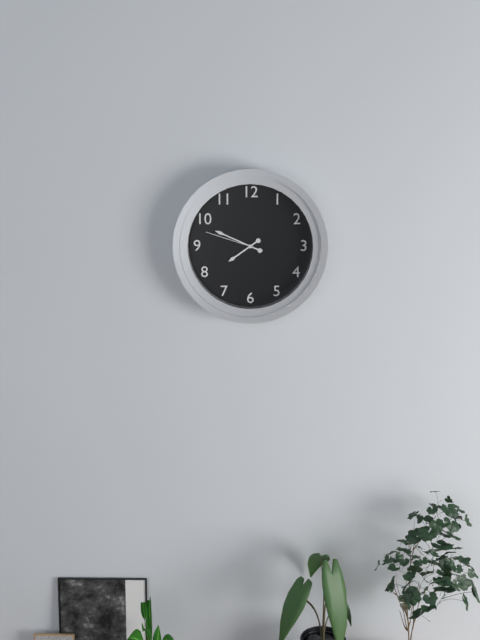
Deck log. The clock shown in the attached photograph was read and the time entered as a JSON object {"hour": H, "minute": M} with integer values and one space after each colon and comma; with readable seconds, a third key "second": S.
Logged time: {"hour": 7, "minute": 49, "second": 48}
